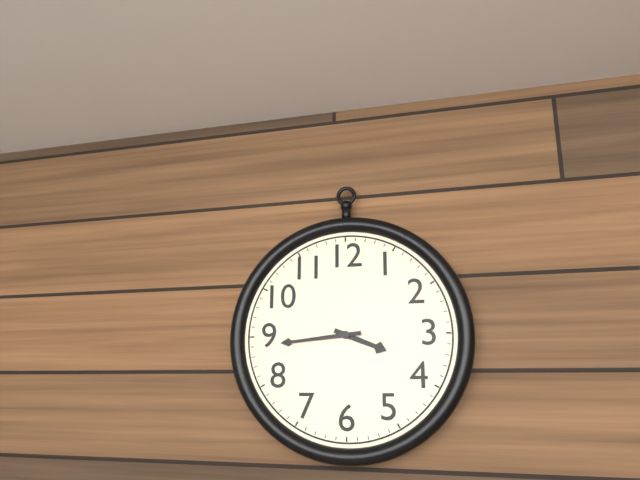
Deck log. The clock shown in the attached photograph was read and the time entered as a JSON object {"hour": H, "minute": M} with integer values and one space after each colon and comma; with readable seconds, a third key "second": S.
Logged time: {"hour": 3, "minute": 44}
